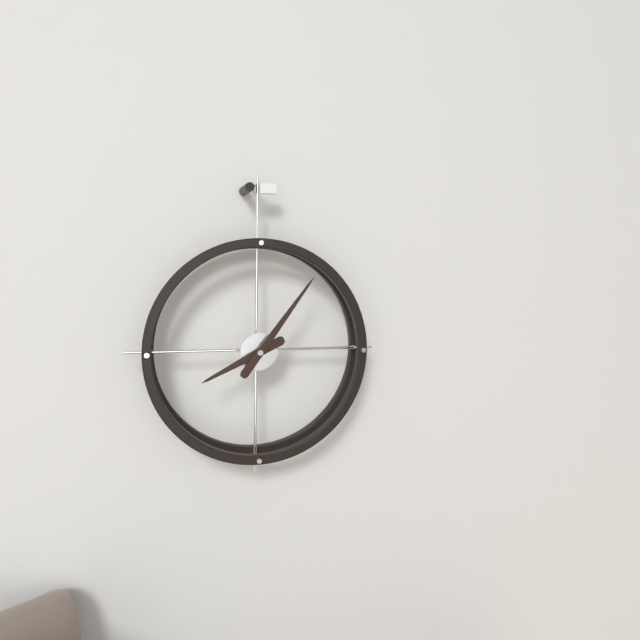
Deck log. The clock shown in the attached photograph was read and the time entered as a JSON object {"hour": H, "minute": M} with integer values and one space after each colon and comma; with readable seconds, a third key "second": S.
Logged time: {"hour": 8, "minute": 6}
